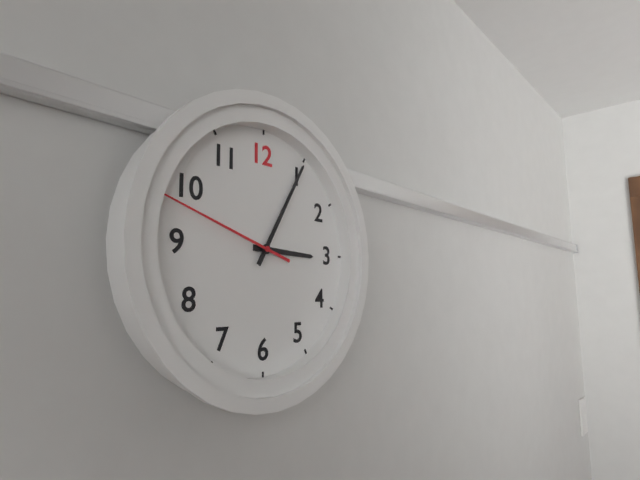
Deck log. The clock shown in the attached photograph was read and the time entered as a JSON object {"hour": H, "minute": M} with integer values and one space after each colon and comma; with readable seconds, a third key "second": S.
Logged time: {"hour": 3, "minute": 5, "second": 48}
